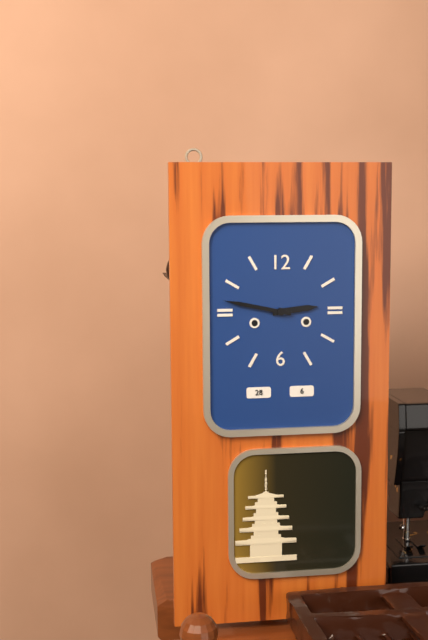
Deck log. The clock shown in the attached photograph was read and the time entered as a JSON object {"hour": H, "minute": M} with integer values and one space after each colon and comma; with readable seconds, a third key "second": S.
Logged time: {"hour": 2, "minute": 47}
